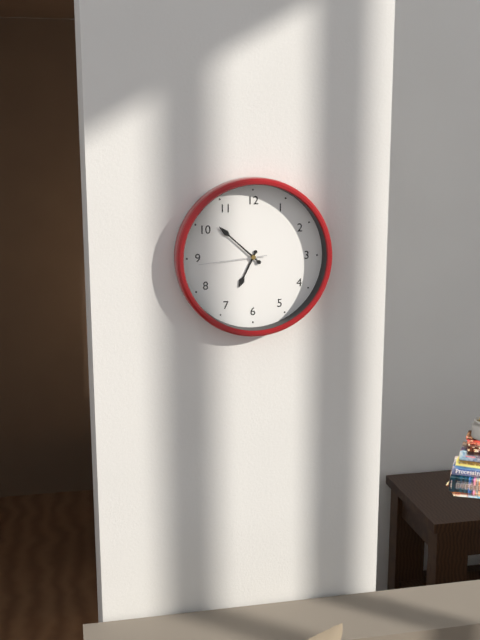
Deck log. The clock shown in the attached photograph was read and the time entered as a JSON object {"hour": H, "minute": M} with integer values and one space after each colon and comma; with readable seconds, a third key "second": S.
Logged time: {"hour": 6, "minute": 52, "second": 44}
